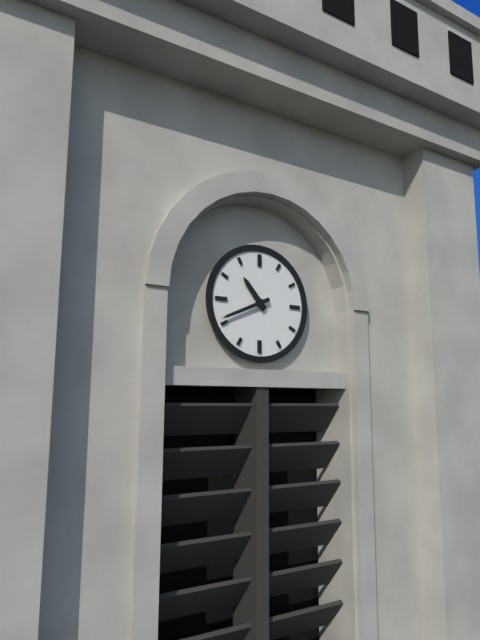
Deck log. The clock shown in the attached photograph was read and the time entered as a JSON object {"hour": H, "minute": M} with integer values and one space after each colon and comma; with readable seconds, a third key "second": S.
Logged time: {"hour": 10, "minute": 41}
